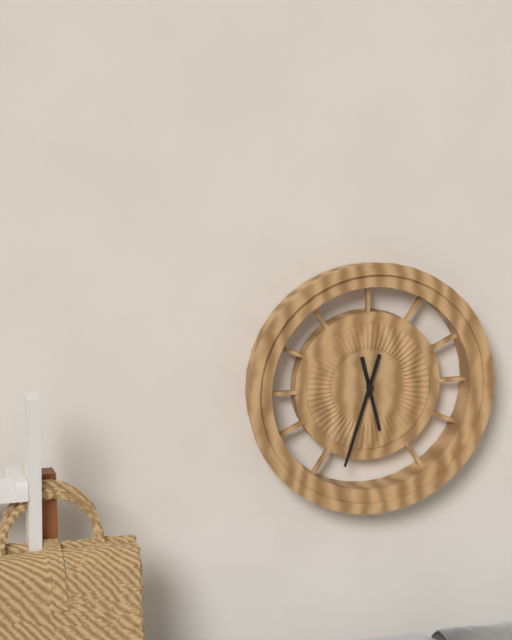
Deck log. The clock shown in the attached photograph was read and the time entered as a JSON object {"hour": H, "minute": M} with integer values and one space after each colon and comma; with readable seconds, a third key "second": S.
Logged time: {"hour": 5, "minute": 33}
